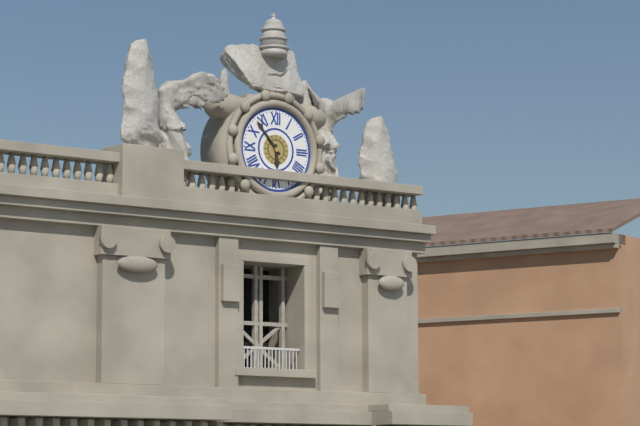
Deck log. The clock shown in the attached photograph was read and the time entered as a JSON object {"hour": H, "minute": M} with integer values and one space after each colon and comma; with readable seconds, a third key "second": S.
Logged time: {"hour": 5, "minute": 53}
